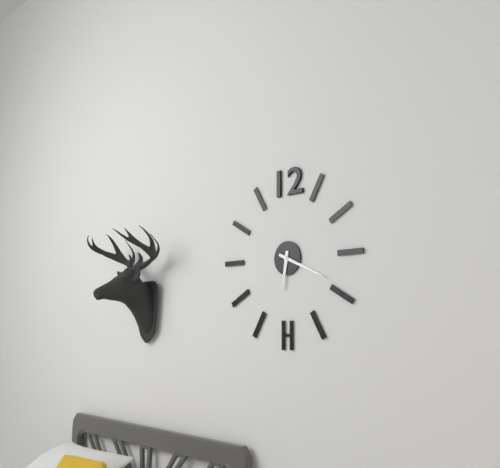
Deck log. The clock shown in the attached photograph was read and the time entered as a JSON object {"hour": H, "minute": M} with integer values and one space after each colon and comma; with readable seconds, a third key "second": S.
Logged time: {"hour": 6, "minute": 19}
